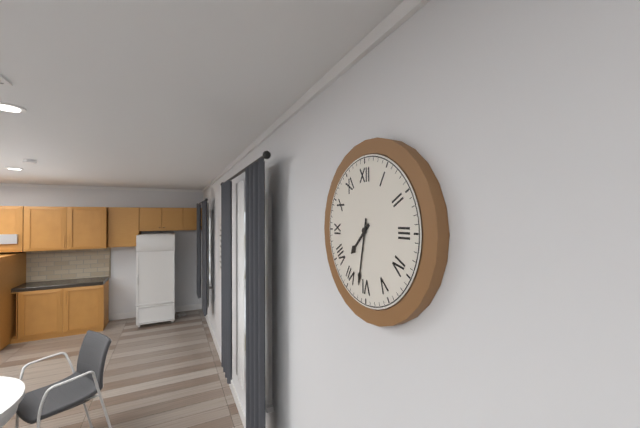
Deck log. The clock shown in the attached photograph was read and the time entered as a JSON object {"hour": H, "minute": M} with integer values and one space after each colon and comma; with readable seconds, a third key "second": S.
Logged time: {"hour": 7, "minute": 32}
